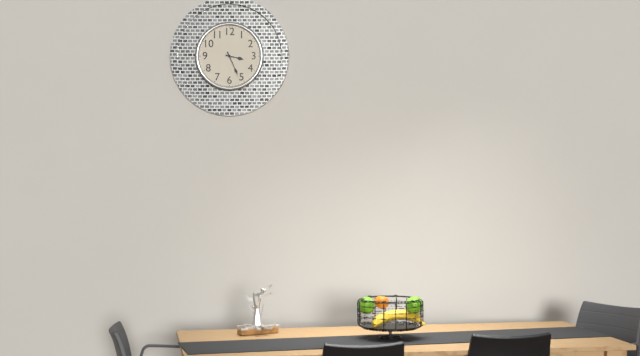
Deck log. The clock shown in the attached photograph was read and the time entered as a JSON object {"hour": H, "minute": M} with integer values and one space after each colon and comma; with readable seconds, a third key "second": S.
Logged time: {"hour": 3, "minute": 26}
